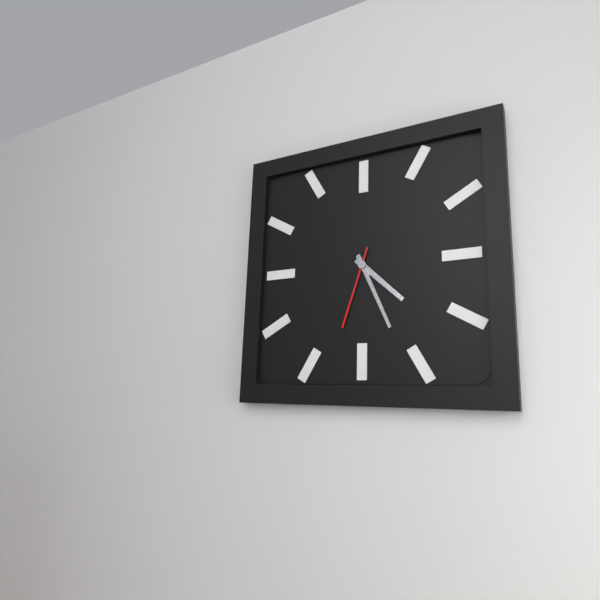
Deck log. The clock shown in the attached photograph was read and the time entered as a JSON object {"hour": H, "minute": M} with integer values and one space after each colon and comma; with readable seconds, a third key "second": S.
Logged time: {"hour": 4, "minute": 26, "second": 33}
